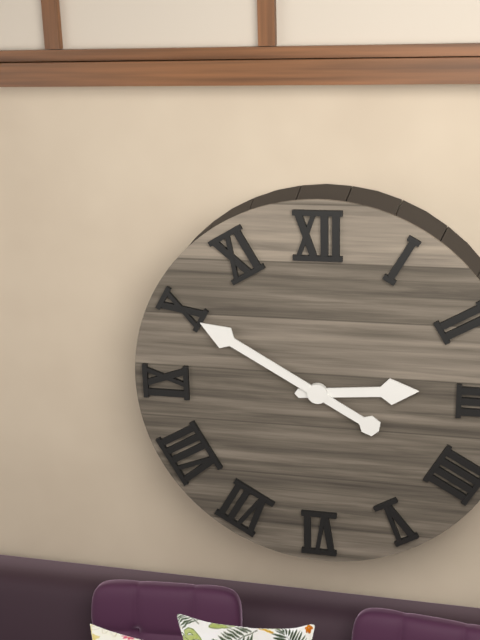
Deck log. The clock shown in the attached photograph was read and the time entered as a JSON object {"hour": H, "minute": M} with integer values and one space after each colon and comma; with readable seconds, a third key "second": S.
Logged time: {"hour": 2, "minute": 50}
